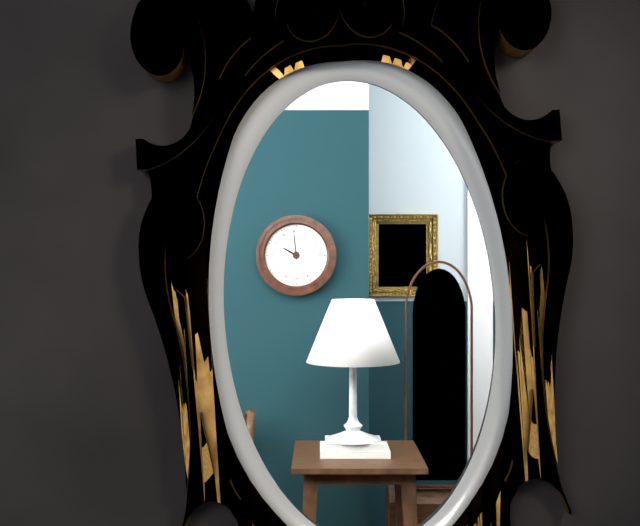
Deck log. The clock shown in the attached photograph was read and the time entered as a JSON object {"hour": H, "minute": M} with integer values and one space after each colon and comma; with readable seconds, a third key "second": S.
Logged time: {"hour": 9, "minute": 59}
